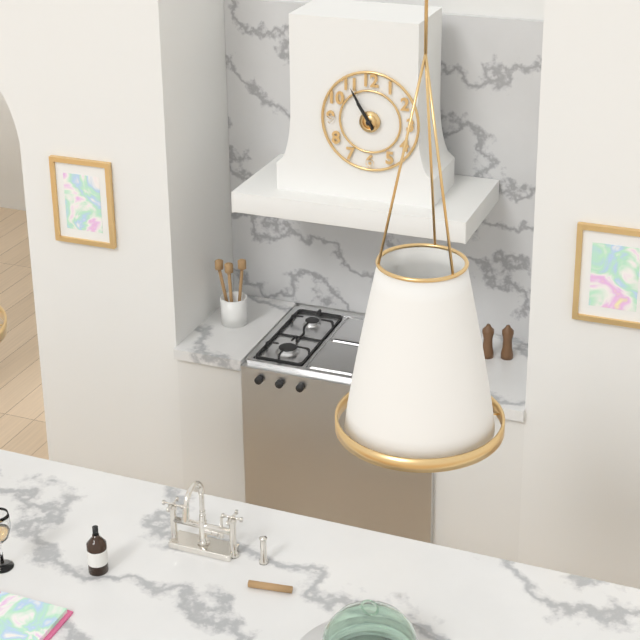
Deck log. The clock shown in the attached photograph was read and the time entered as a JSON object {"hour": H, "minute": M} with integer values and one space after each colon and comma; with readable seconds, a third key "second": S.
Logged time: {"hour": 10, "minute": 55}
